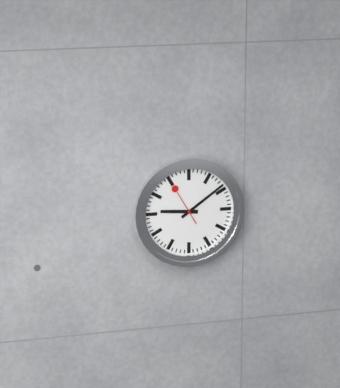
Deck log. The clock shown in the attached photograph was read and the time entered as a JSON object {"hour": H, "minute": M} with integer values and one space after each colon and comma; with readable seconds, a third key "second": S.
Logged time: {"hour": 9, "minute": 9}
